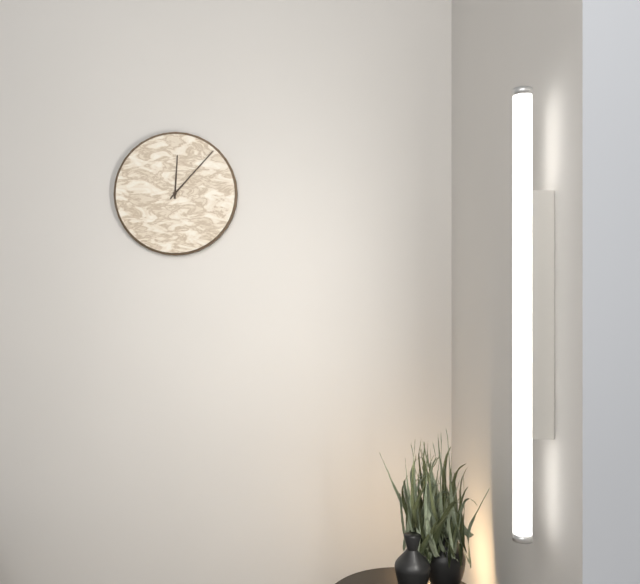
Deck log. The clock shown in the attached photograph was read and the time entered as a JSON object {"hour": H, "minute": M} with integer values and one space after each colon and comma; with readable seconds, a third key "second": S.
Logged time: {"hour": 12, "minute": 7}
